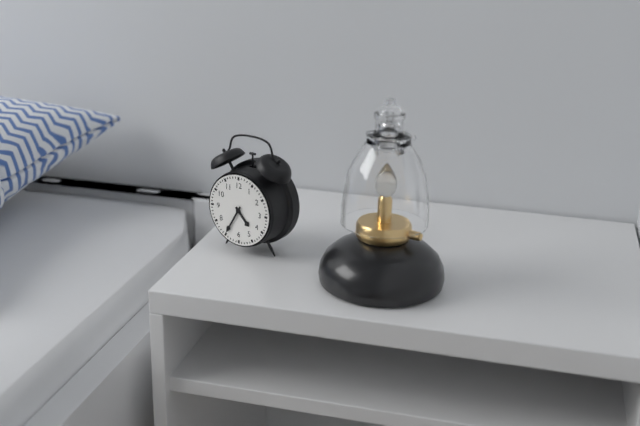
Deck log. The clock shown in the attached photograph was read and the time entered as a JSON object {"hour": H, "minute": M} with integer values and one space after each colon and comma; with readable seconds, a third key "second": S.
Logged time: {"hour": 4, "minute": 35}
